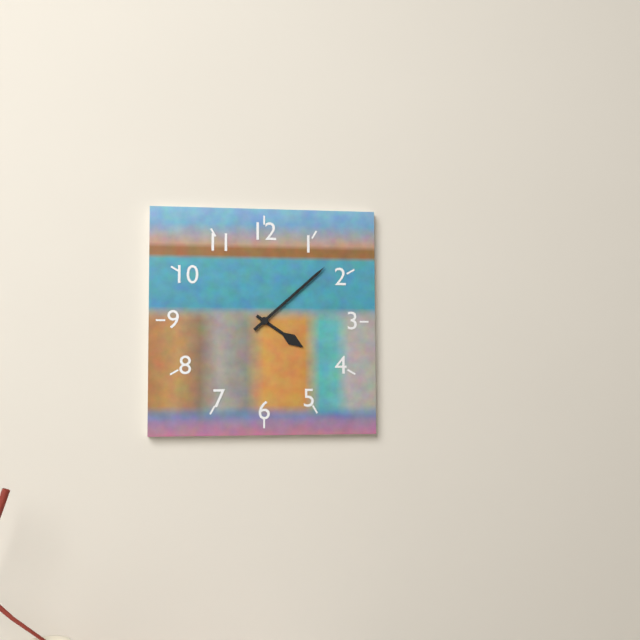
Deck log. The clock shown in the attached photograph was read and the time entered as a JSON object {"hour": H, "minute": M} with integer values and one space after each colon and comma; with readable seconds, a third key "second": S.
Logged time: {"hour": 4, "minute": 8}
